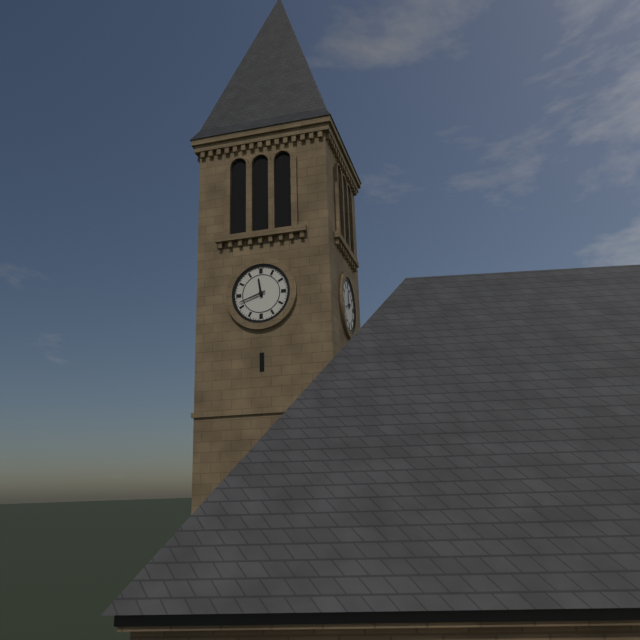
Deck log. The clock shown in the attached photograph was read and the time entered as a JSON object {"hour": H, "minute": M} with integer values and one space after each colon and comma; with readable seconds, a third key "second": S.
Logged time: {"hour": 11, "minute": 42}
